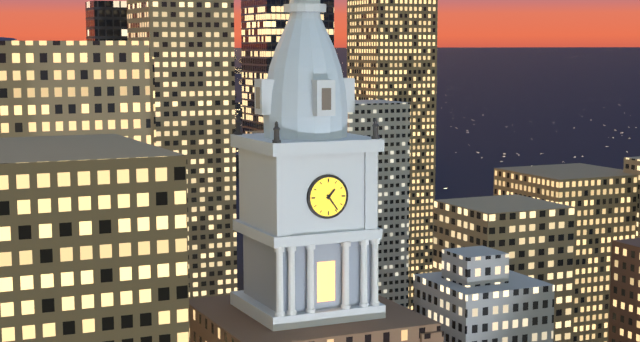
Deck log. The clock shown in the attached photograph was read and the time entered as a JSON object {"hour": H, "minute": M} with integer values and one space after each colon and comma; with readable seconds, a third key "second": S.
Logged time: {"hour": 1, "minute": 24}
